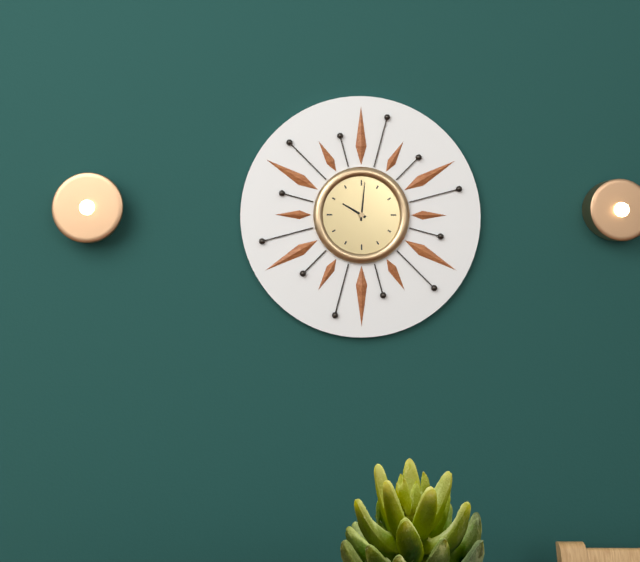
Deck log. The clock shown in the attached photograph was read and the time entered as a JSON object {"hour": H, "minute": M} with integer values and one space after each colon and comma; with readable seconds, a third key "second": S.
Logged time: {"hour": 10, "minute": 1}
